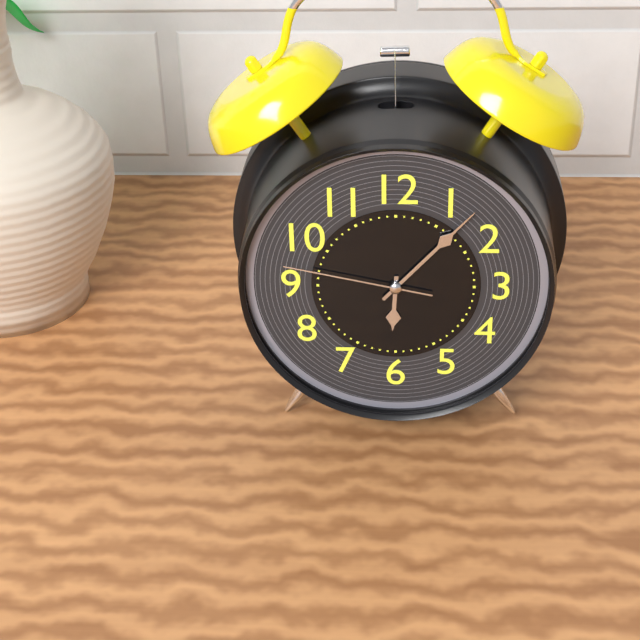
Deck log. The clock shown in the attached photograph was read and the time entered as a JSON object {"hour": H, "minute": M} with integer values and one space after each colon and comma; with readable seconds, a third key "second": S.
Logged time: {"hour": 6, "minute": 7, "second": 47}
